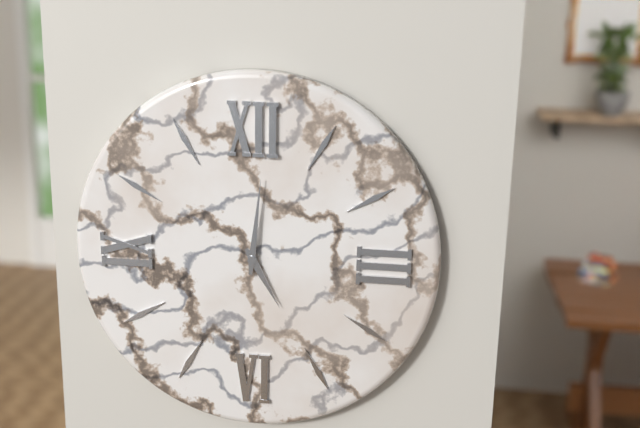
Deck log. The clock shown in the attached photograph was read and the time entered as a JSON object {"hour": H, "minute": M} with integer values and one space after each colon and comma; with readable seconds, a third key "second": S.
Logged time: {"hour": 5, "minute": 1}
